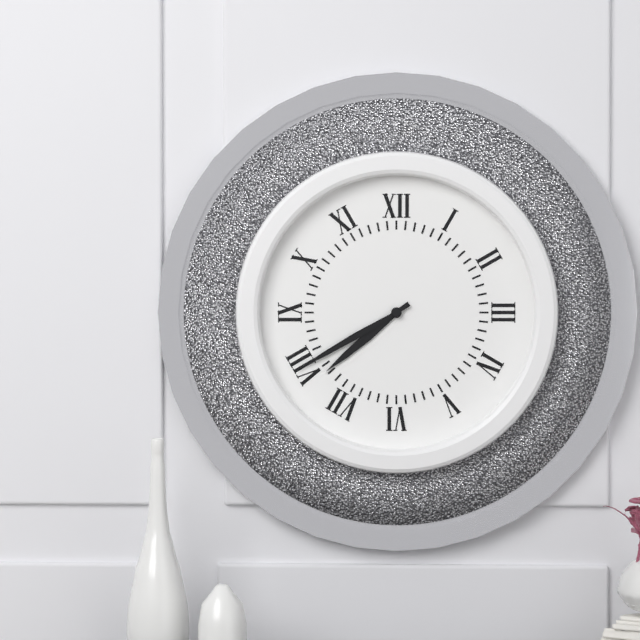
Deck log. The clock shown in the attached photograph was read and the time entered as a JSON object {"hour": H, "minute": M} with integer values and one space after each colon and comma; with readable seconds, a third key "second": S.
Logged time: {"hour": 7, "minute": 40}
